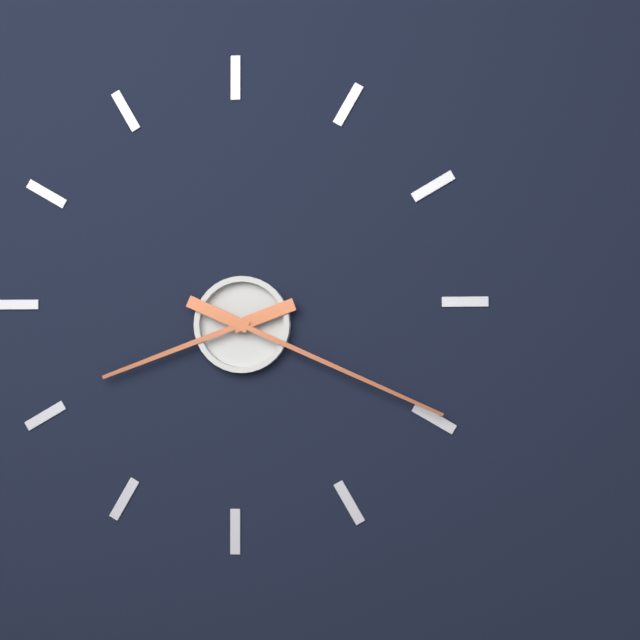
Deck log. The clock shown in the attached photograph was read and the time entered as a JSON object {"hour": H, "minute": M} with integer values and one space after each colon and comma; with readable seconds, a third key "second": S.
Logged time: {"hour": 8, "minute": 19}
